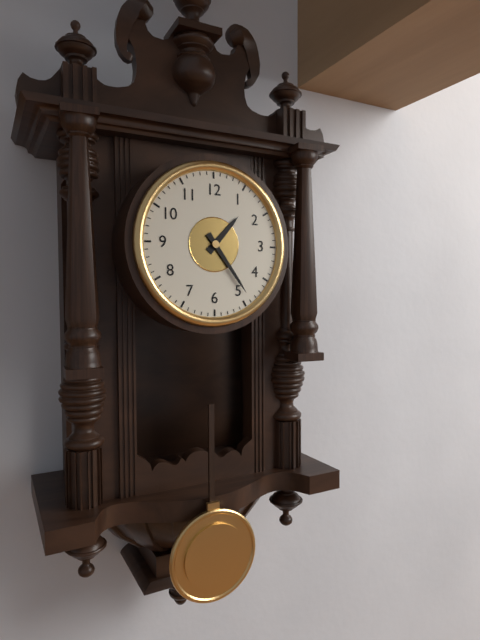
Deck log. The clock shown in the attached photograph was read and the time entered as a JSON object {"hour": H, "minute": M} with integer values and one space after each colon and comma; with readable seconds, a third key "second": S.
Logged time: {"hour": 1, "minute": 24}
